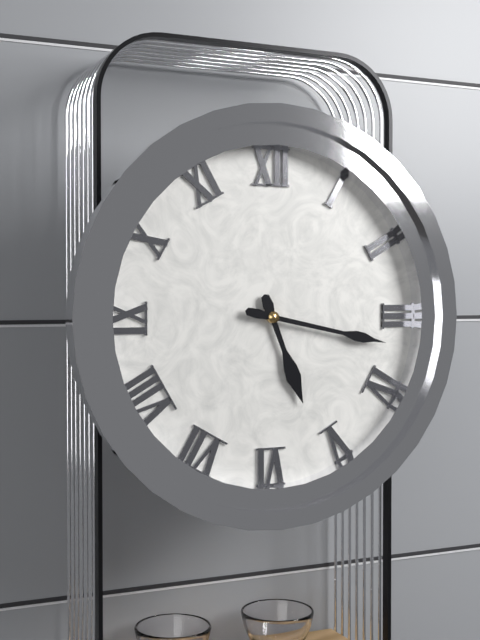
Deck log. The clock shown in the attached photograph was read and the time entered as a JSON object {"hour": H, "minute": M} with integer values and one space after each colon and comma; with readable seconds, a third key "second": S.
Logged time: {"hour": 5, "minute": 17}
